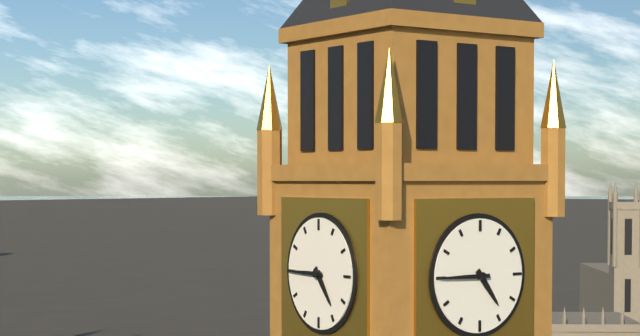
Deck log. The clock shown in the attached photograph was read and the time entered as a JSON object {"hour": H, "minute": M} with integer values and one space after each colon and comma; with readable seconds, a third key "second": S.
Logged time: {"hour": 4, "minute": 45}
